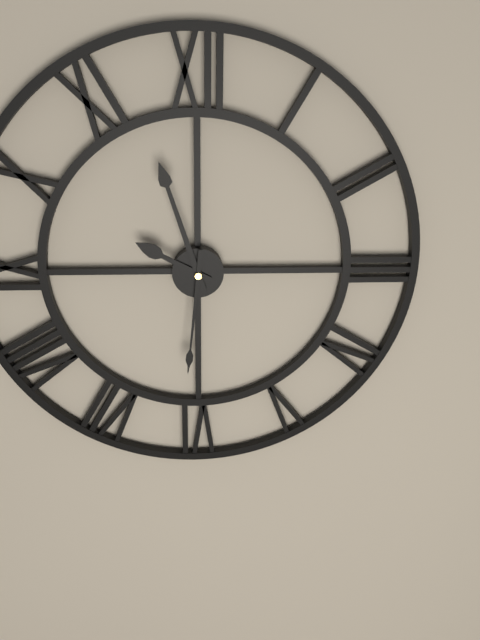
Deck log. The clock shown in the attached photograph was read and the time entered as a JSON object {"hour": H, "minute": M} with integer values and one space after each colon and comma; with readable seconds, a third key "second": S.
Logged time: {"hour": 9, "minute": 57, "second": 31}
